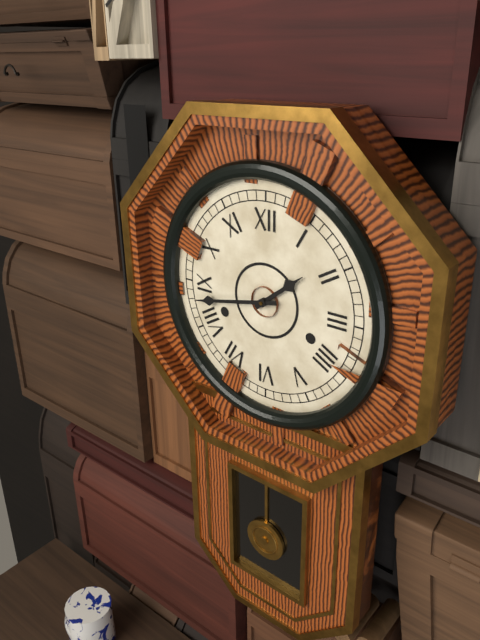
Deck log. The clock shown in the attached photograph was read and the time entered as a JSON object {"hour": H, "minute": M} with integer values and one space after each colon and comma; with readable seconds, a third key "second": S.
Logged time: {"hour": 1, "minute": 43}
